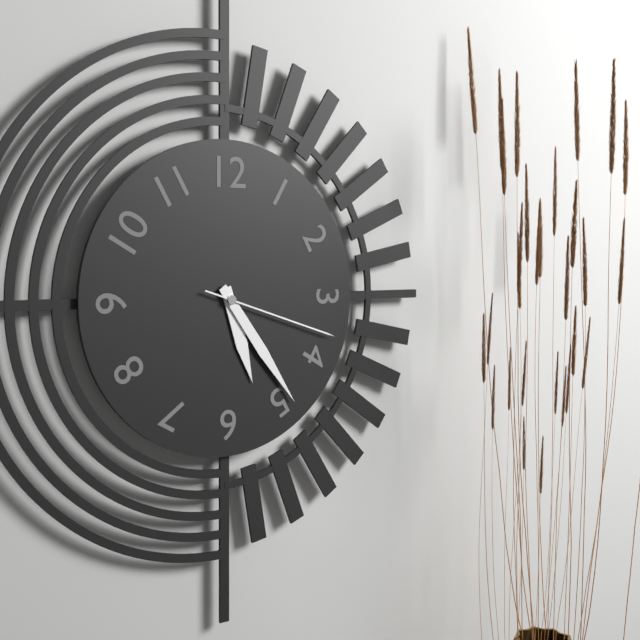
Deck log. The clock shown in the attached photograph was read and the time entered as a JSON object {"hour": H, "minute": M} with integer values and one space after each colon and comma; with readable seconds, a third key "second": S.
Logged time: {"hour": 5, "minute": 24, "second": 18}
